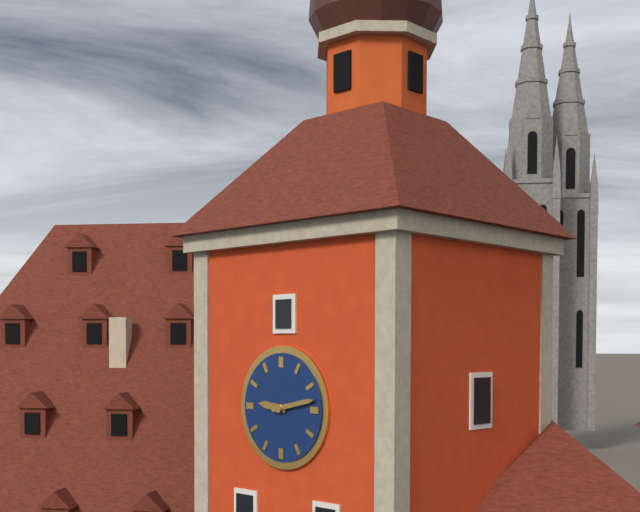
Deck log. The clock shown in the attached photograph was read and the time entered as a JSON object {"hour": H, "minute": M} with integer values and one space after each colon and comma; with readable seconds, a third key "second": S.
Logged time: {"hour": 9, "minute": 13}
